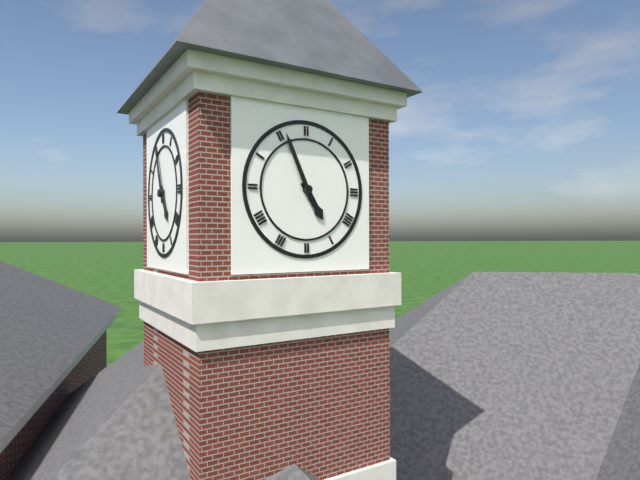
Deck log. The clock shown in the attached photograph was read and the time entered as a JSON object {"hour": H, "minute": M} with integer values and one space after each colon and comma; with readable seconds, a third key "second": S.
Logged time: {"hour": 4, "minute": 56}
